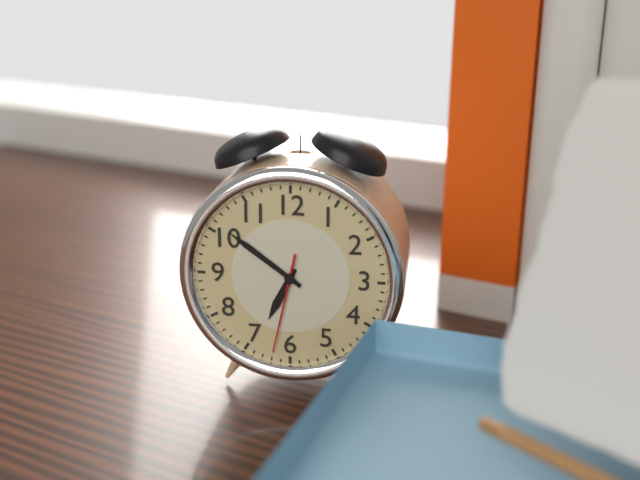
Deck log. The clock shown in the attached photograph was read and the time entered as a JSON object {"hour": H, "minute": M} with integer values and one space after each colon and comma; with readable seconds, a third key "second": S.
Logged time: {"hour": 6, "minute": 51, "second": 32}
